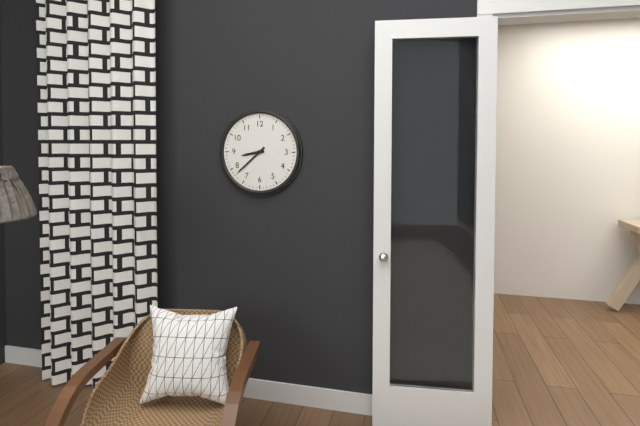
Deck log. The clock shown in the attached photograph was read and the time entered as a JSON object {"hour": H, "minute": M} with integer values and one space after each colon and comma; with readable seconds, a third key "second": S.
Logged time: {"hour": 8, "minute": 38}
